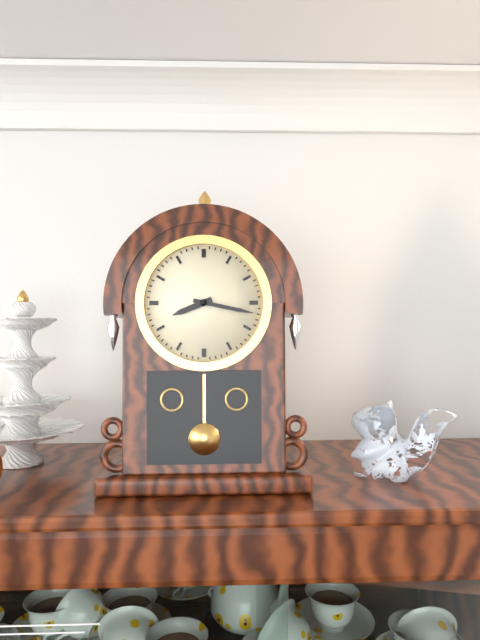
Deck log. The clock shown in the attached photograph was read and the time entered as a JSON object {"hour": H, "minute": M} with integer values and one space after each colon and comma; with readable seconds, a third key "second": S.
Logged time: {"hour": 8, "minute": 17}
